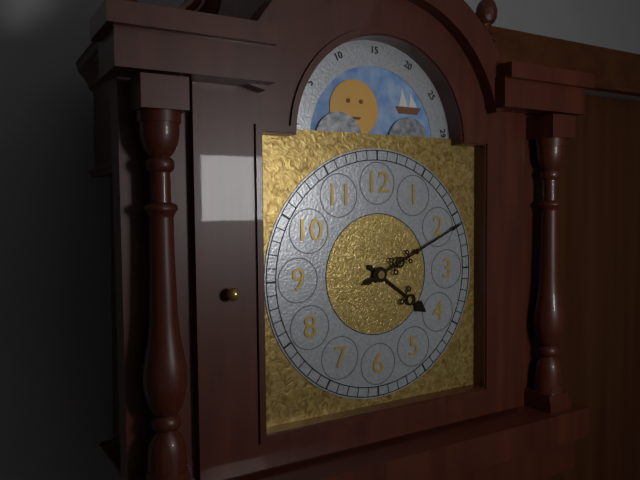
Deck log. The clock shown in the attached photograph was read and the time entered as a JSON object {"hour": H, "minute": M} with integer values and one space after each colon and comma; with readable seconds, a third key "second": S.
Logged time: {"hour": 4, "minute": 11}
